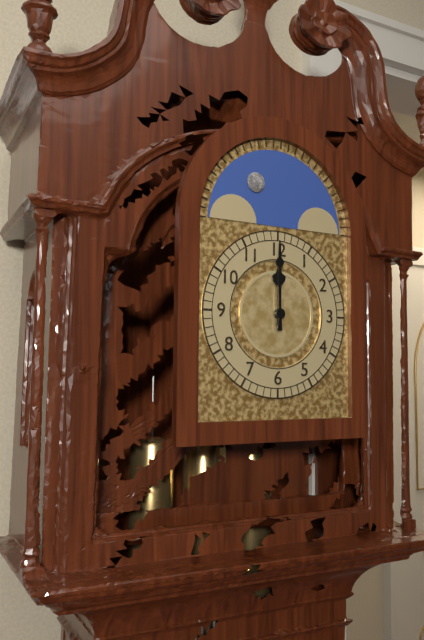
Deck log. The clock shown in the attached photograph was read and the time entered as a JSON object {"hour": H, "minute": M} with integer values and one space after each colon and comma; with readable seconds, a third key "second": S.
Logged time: {"hour": 12, "minute": 0}
